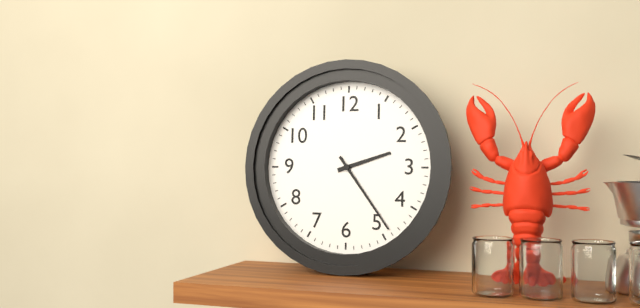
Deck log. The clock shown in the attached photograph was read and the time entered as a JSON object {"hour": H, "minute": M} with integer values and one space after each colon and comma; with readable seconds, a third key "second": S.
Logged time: {"hour": 2, "minute": 24}
